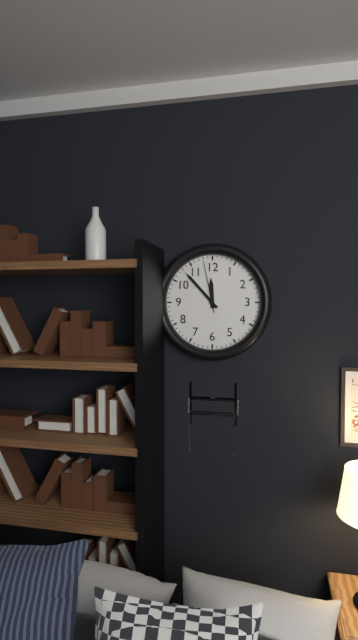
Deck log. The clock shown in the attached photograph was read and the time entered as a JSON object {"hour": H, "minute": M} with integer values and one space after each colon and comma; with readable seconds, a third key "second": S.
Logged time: {"hour": 11, "minute": 53, "second": 58}
